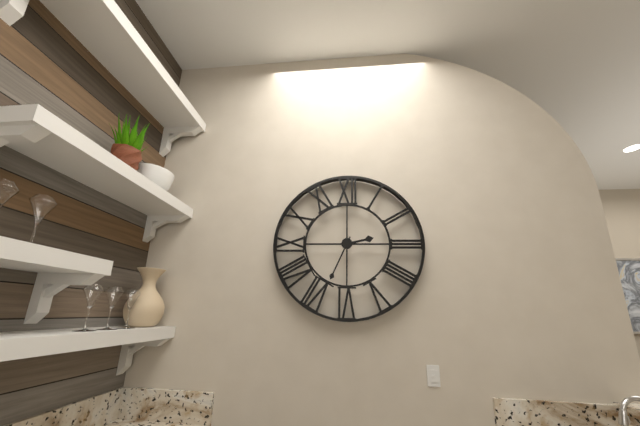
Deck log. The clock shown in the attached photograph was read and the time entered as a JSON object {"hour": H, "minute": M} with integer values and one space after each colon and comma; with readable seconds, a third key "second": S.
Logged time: {"hour": 2, "minute": 34}
